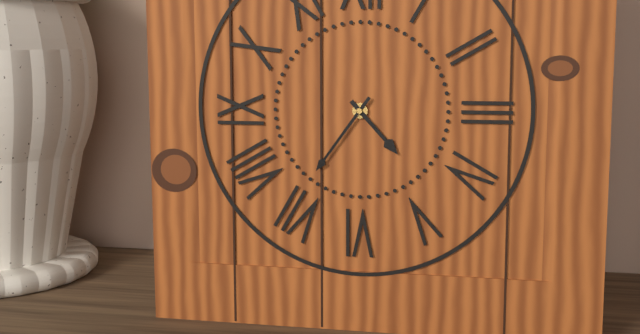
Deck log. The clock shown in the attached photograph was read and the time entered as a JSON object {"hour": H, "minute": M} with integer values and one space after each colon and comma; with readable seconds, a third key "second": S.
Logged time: {"hour": 4, "minute": 36}
